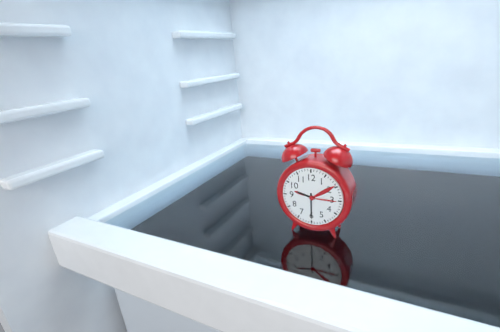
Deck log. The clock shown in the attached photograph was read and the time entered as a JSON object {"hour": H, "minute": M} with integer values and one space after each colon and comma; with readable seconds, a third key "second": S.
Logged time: {"hour": 9, "minute": 30}
